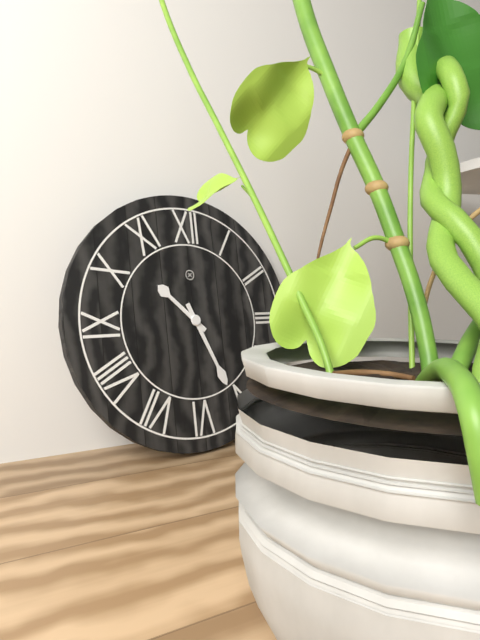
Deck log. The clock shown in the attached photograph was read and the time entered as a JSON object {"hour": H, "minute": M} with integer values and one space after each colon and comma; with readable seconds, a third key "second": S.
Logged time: {"hour": 10, "minute": 26}
